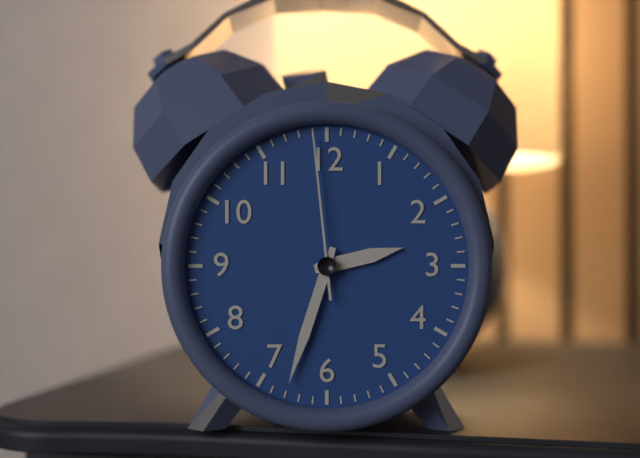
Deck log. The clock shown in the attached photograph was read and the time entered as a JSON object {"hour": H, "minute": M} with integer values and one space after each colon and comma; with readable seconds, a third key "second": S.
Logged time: {"hour": 2, "minute": 33, "second": 59}
